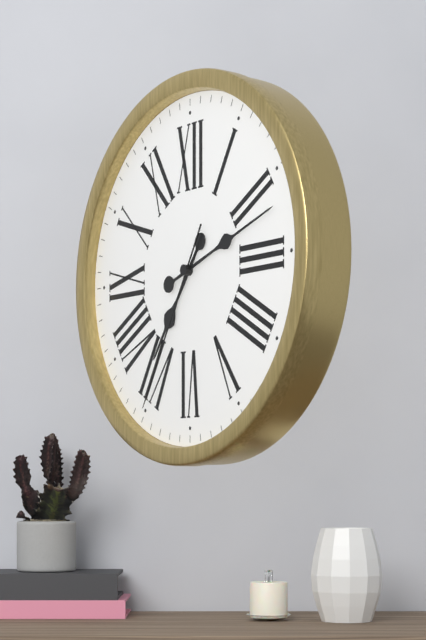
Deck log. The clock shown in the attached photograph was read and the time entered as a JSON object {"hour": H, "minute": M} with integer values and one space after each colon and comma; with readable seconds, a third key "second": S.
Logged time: {"hour": 7, "minute": 12, "second": 35}
